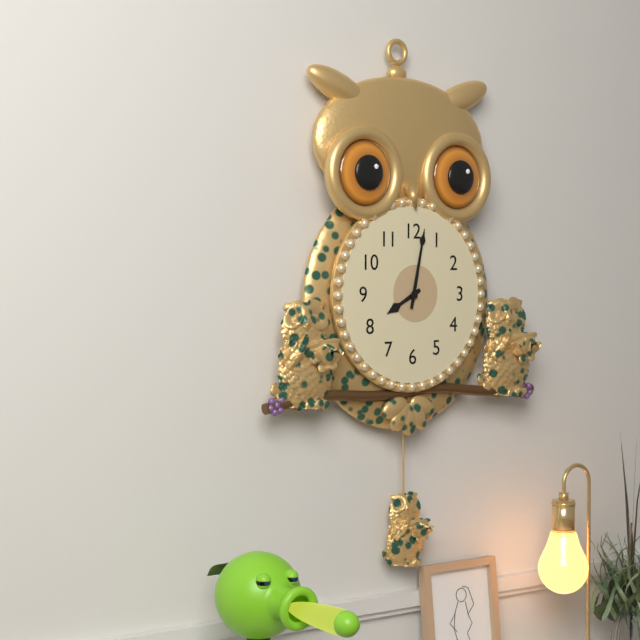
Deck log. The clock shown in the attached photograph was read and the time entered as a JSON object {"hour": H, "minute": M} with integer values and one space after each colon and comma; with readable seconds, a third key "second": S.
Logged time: {"hour": 8, "minute": 2}
